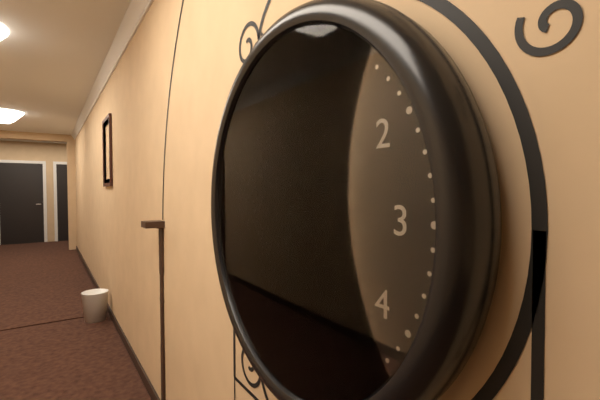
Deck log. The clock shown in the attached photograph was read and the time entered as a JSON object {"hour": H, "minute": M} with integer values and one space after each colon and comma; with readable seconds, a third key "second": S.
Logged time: {"hour": 4, "minute": 59}
